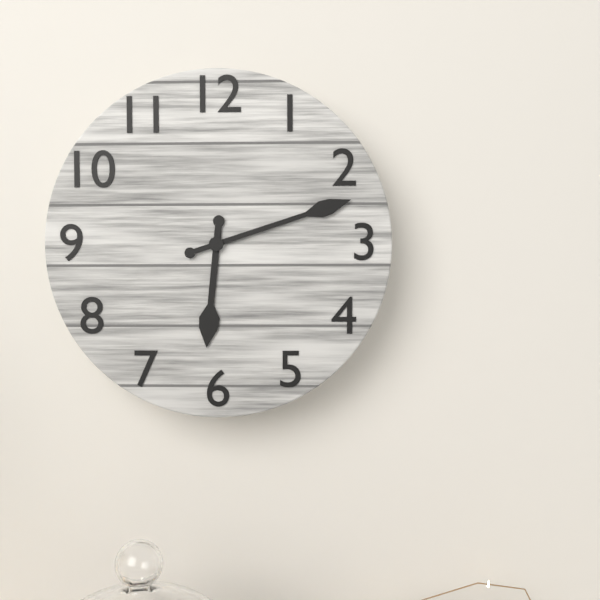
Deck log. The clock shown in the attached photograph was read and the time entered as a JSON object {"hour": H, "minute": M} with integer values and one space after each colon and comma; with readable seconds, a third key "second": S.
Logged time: {"hour": 6, "minute": 12}
